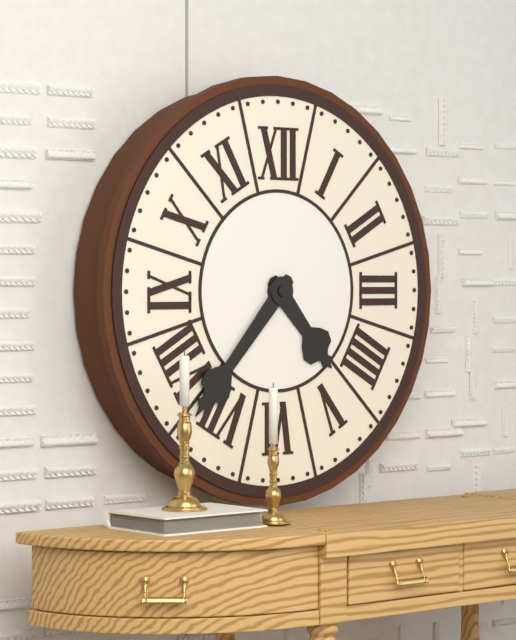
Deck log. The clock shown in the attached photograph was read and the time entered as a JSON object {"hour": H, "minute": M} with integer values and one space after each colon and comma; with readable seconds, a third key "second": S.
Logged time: {"hour": 4, "minute": 37}
